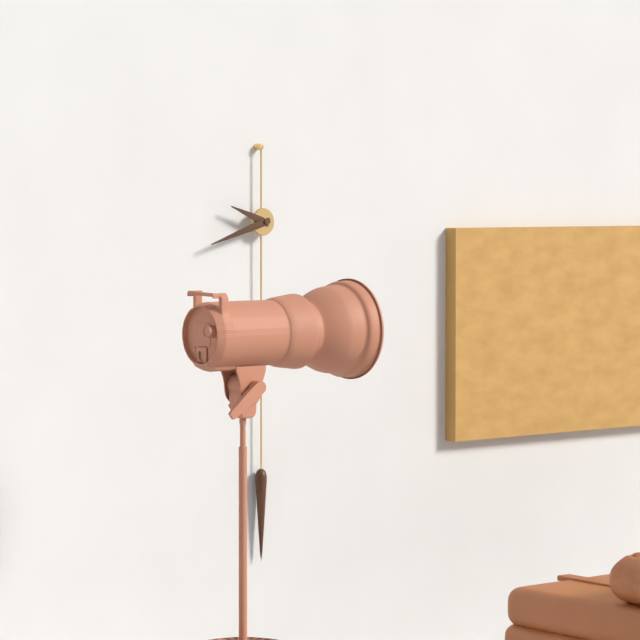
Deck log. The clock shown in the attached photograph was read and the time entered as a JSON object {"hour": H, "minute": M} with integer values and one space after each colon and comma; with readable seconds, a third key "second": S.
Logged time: {"hour": 9, "minute": 42}
